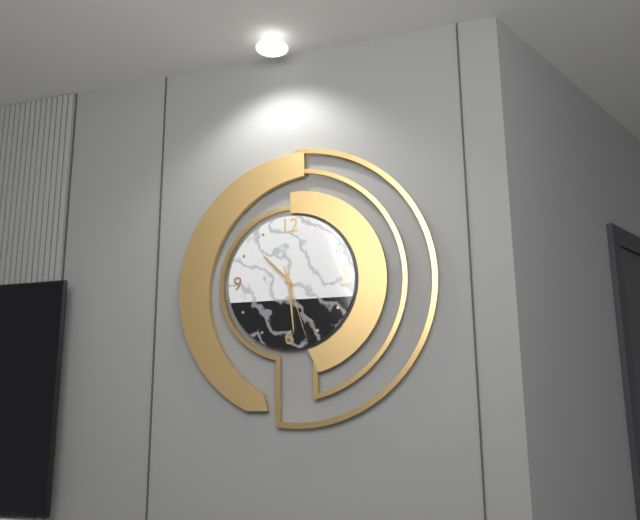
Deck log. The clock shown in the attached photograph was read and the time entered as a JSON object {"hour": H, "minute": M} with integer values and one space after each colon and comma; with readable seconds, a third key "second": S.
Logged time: {"hour": 10, "minute": 29, "second": 27}
